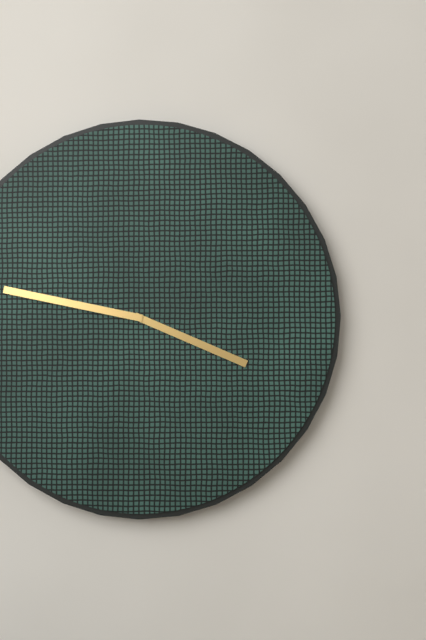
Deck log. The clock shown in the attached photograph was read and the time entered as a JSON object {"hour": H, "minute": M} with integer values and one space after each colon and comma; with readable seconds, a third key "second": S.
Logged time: {"hour": 3, "minute": 47}
